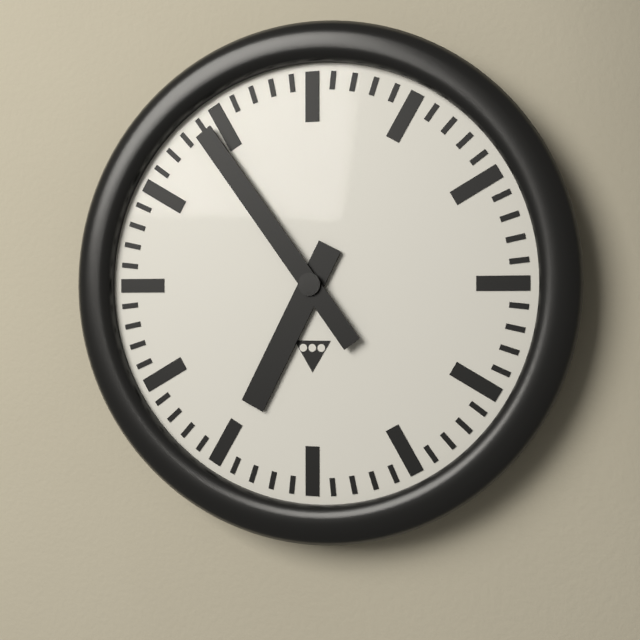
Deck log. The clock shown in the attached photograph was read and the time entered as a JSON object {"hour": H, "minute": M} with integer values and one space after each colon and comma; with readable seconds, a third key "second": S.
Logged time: {"hour": 6, "minute": 54}
